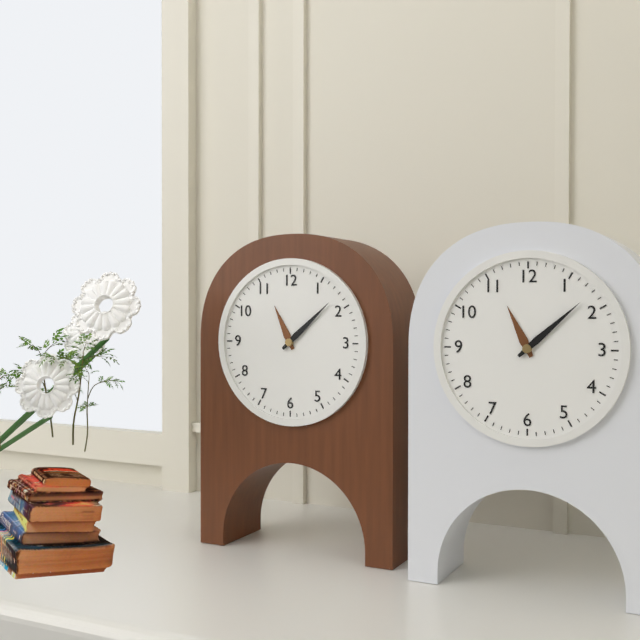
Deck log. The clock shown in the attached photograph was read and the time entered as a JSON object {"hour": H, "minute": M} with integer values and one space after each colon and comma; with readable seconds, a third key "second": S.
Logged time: {"hour": 11, "minute": 8}
